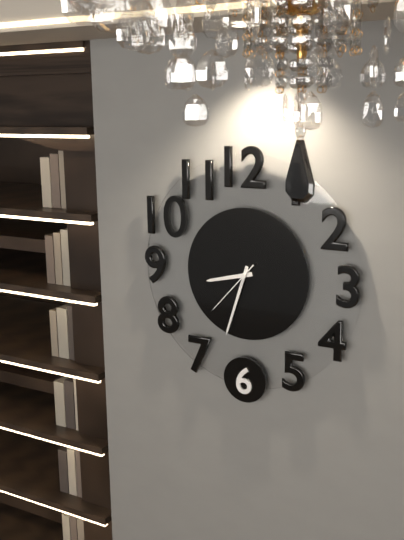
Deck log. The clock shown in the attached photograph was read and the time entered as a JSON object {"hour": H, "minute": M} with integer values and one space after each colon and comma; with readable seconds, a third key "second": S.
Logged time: {"hour": 8, "minute": 33, "second": 37}
